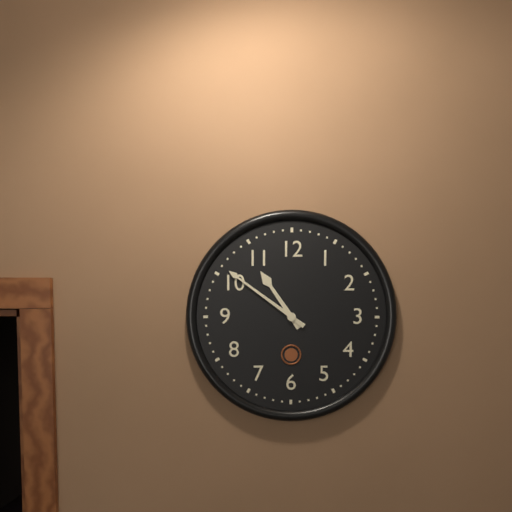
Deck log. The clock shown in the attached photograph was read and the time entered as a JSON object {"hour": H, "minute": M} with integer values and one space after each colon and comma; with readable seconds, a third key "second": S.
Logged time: {"hour": 10, "minute": 51}
